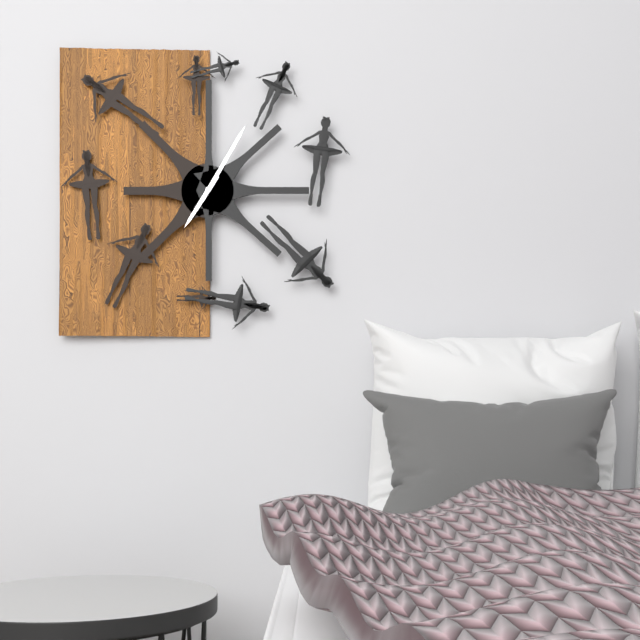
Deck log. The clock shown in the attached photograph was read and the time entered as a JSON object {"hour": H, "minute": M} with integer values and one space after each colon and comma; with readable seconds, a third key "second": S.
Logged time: {"hour": 7, "minute": 5}
